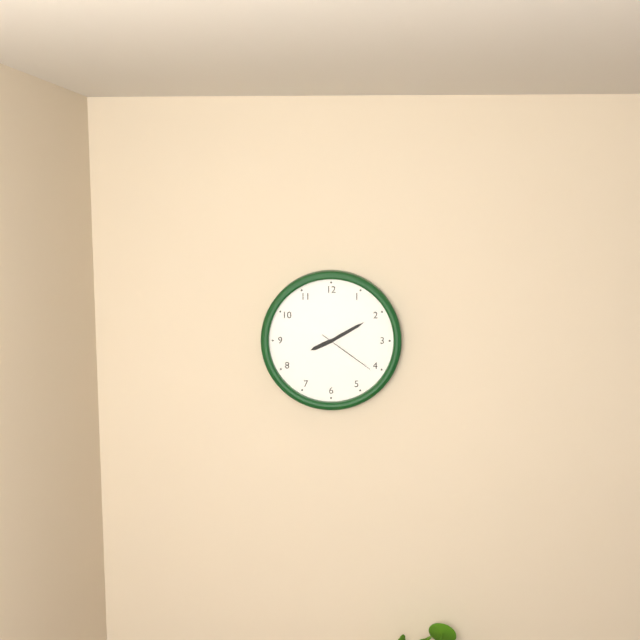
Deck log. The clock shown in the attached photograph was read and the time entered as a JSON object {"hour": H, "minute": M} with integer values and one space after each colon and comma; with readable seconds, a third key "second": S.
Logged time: {"hour": 8, "minute": 10, "second": 21}
